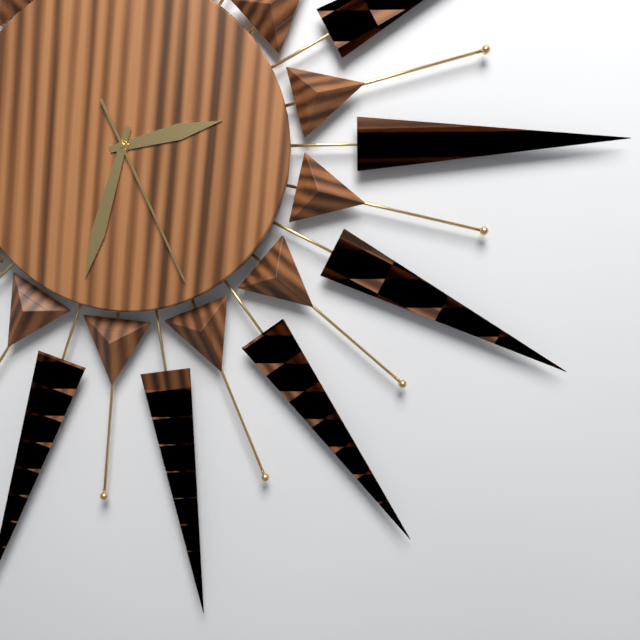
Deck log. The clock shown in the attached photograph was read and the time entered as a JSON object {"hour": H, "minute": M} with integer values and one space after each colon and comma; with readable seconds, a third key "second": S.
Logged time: {"hour": 2, "minute": 33, "second": 26}
